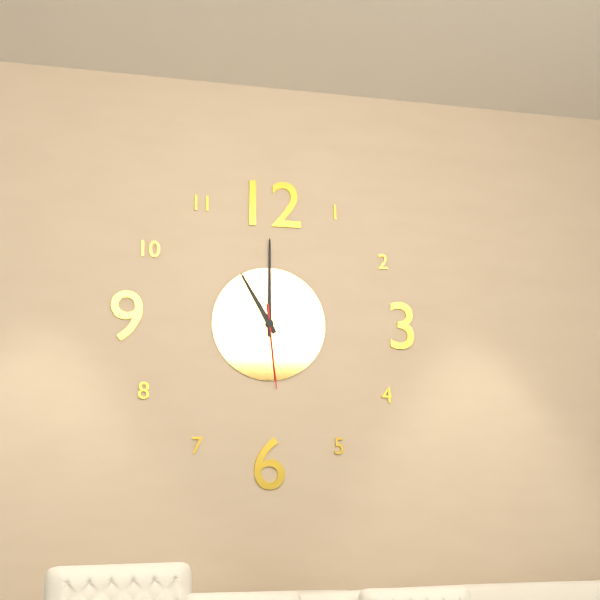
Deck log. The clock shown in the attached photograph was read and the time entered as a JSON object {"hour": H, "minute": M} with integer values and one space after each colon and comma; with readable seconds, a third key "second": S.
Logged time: {"hour": 11, "minute": 0, "second": 29}
